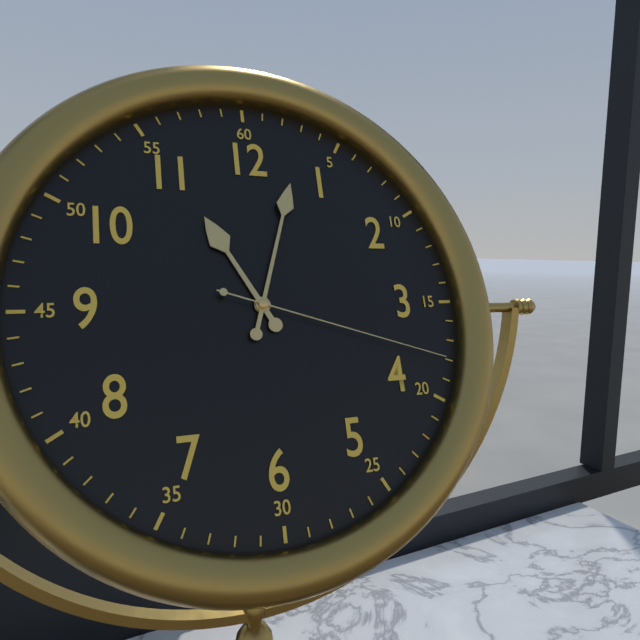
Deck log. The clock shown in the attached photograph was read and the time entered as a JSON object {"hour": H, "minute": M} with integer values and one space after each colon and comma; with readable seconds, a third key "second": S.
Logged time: {"hour": 11, "minute": 3, "second": 18}
